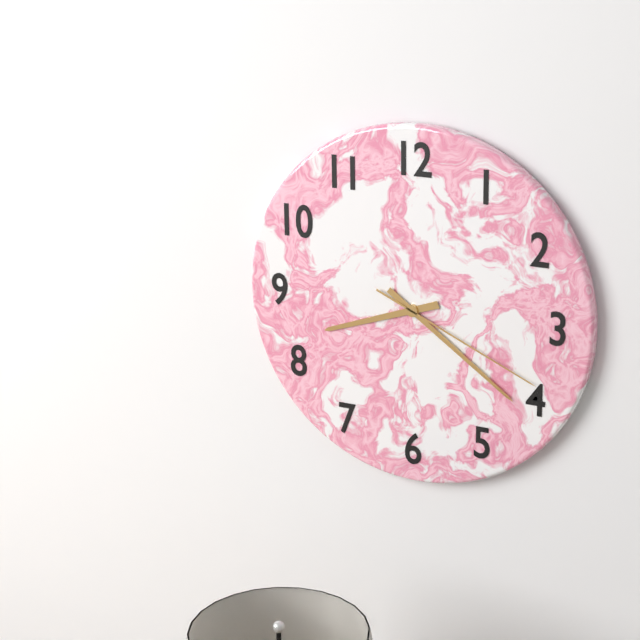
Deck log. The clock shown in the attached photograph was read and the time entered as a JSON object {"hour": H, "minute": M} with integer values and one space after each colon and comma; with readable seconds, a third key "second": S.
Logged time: {"hour": 8, "minute": 21, "second": 19}
